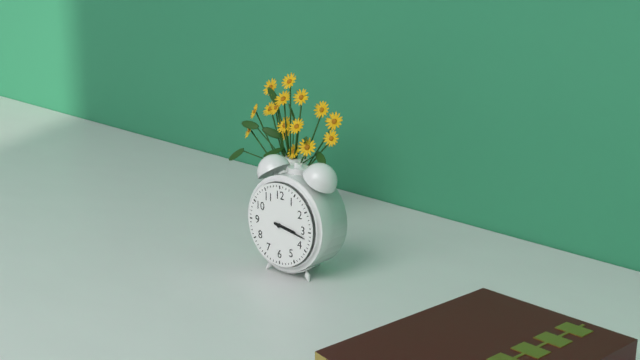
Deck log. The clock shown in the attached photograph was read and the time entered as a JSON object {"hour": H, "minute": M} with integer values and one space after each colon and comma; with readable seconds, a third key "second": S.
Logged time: {"hour": 3, "minute": 17}
